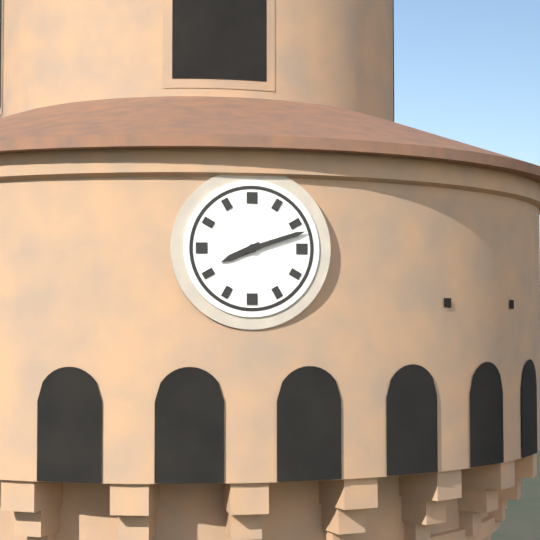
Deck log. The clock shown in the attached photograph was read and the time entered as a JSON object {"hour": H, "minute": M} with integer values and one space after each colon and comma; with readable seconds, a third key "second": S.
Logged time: {"hour": 8, "minute": 12}
